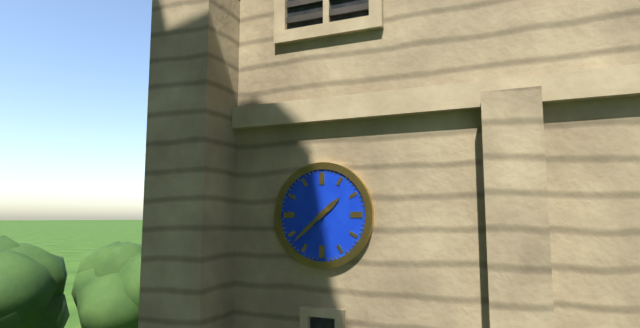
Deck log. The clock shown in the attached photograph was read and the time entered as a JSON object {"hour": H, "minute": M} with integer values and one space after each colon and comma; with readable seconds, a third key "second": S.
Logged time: {"hour": 1, "minute": 38}
